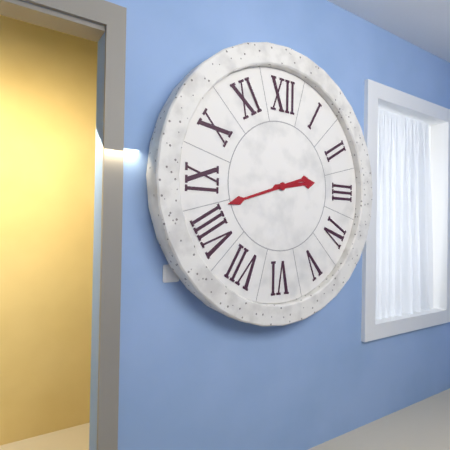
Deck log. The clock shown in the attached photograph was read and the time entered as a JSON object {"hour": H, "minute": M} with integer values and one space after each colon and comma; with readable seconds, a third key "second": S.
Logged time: {"hour": 2, "minute": 42}
